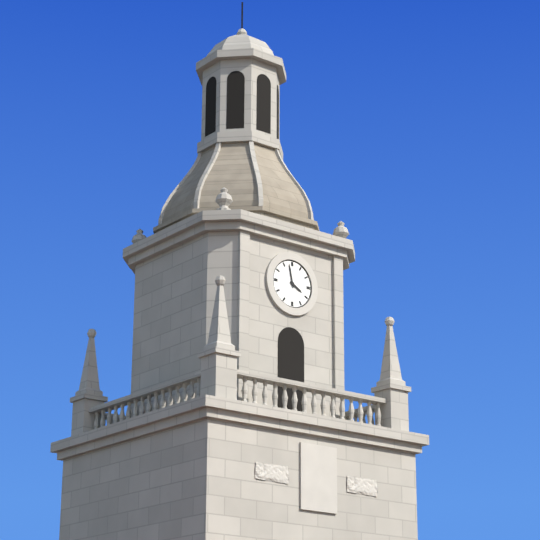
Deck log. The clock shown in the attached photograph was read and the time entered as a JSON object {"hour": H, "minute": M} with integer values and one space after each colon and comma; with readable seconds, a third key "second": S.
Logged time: {"hour": 3, "minute": 58}
